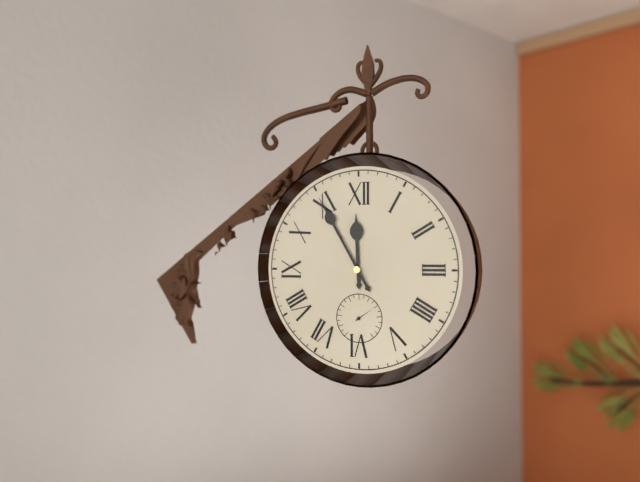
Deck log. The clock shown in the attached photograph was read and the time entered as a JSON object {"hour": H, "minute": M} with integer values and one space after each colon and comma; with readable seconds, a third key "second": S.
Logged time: {"hour": 11, "minute": 55}
